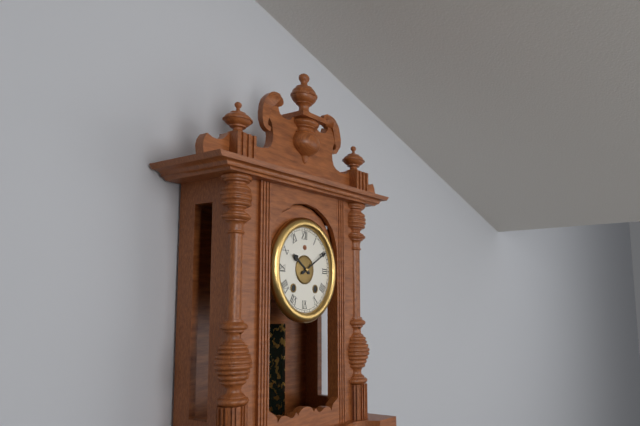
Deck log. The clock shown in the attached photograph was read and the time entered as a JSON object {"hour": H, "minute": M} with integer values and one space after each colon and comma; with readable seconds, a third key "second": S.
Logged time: {"hour": 10, "minute": 10}
